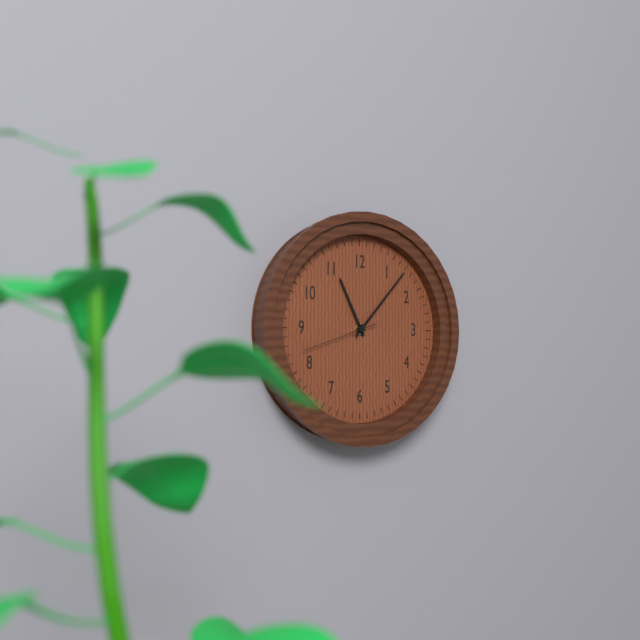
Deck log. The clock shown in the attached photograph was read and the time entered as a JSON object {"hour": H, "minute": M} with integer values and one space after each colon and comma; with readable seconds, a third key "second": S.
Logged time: {"hour": 11, "minute": 7, "second": 42}
